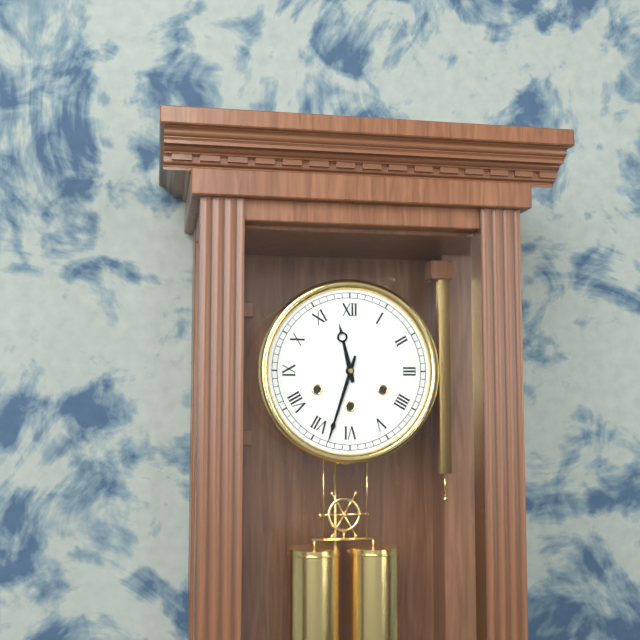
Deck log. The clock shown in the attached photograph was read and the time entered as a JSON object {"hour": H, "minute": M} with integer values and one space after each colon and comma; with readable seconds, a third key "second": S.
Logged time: {"hour": 11, "minute": 33}
